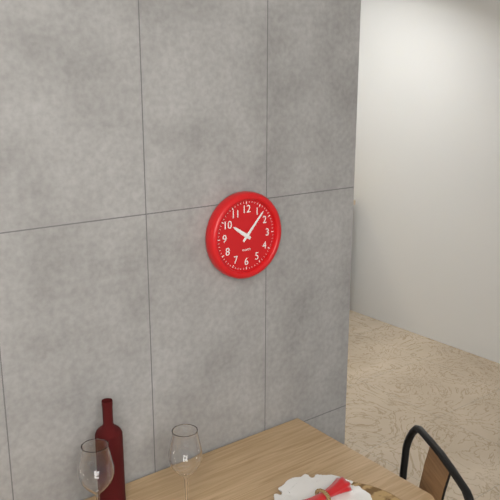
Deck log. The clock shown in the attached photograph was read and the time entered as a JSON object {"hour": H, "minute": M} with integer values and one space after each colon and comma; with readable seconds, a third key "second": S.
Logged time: {"hour": 10, "minute": 7}
